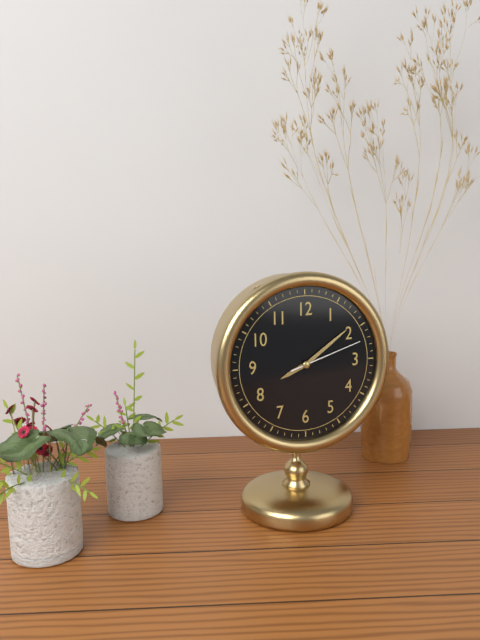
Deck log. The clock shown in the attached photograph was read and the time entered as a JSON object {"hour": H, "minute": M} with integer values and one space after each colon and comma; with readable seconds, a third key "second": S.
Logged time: {"hour": 8, "minute": 9, "second": 12}
